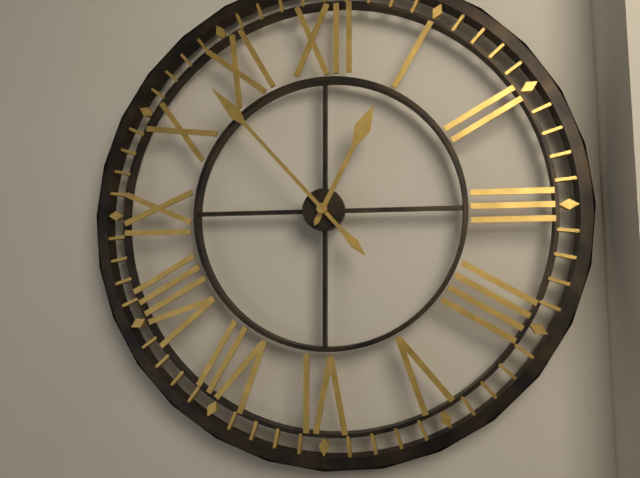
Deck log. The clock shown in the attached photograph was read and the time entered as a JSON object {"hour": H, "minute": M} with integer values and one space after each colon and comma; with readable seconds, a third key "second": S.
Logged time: {"hour": 12, "minute": 53}
